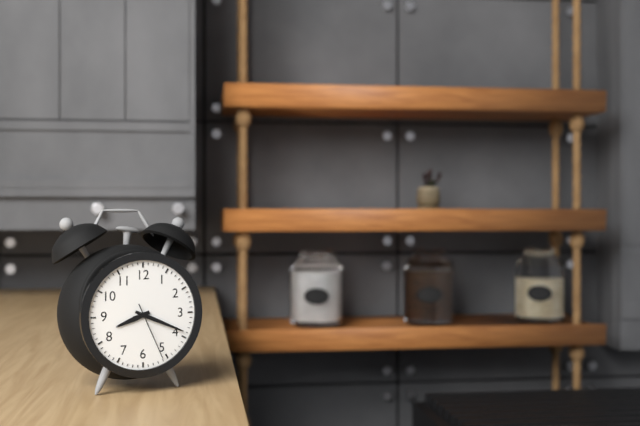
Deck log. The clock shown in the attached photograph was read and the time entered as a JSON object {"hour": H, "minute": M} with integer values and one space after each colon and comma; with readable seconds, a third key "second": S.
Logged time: {"hour": 8, "minute": 19, "second": 26}
